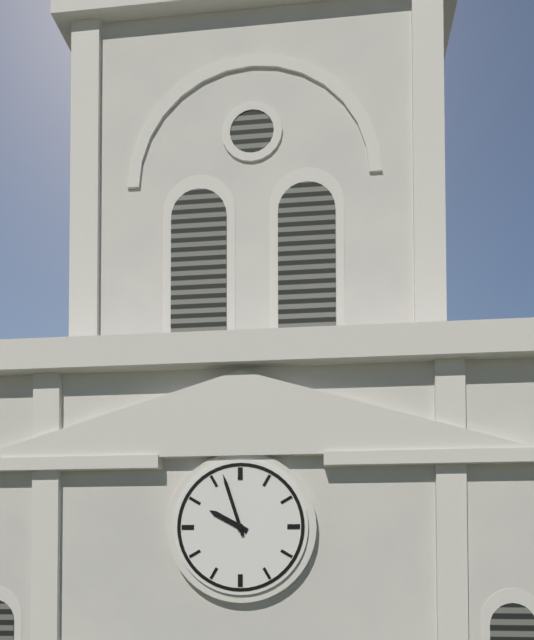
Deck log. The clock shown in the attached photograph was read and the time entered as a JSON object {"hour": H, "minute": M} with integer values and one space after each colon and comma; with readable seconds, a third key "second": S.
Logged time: {"hour": 9, "minute": 57}
